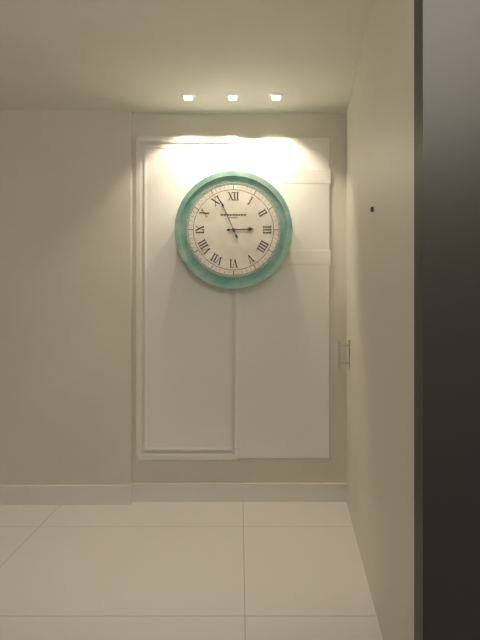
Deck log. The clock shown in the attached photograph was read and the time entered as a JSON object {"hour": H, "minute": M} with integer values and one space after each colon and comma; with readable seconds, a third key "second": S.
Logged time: {"hour": 2, "minute": 56}
